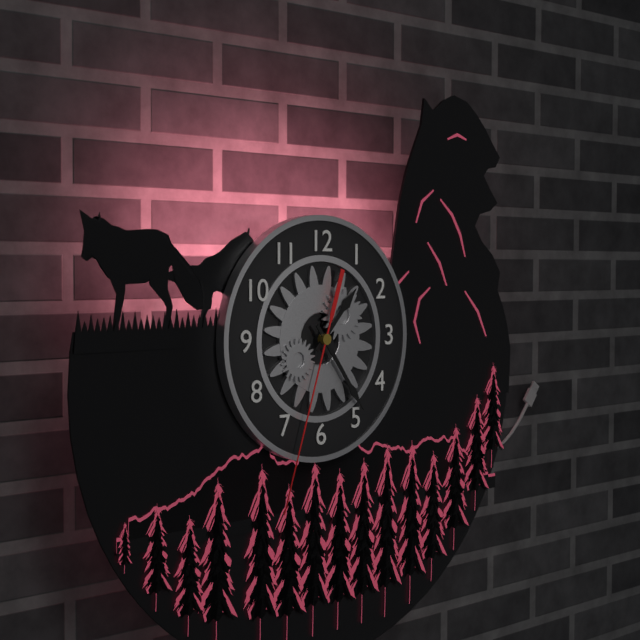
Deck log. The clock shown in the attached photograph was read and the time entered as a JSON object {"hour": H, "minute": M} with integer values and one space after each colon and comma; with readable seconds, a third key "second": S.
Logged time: {"hour": 1, "minute": 24, "second": 33}
